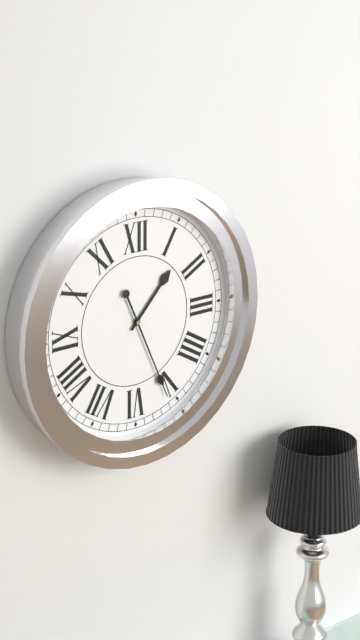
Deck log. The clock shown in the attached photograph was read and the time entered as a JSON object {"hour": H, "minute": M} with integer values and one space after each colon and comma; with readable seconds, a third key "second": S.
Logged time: {"hour": 1, "minute": 26}
